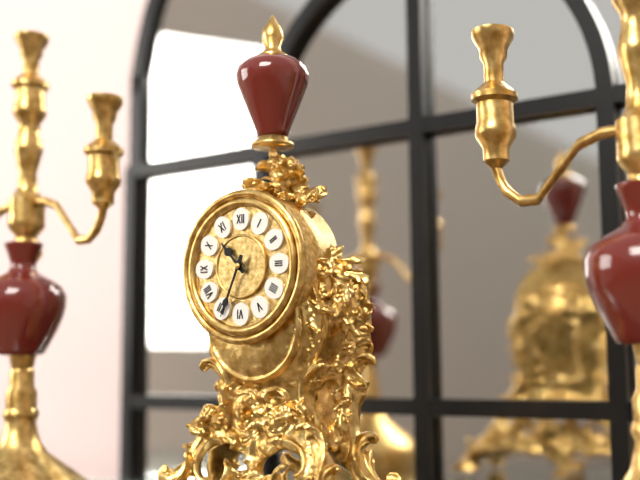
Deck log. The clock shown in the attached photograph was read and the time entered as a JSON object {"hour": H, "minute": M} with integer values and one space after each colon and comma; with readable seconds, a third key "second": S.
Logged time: {"hour": 10, "minute": 34}
